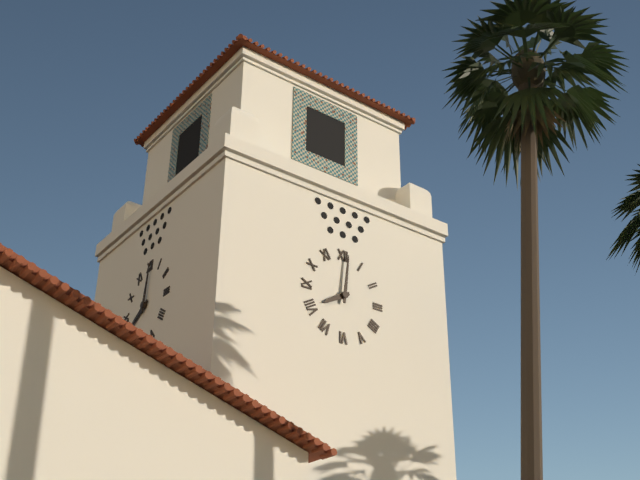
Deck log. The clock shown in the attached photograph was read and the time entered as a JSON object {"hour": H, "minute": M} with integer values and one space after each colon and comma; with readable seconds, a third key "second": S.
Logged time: {"hour": 8, "minute": 1}
